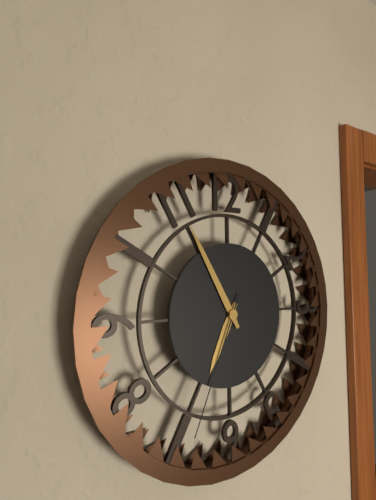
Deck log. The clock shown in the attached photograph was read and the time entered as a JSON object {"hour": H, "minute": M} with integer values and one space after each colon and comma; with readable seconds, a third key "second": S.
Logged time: {"hour": 6, "minute": 55, "second": 34}
